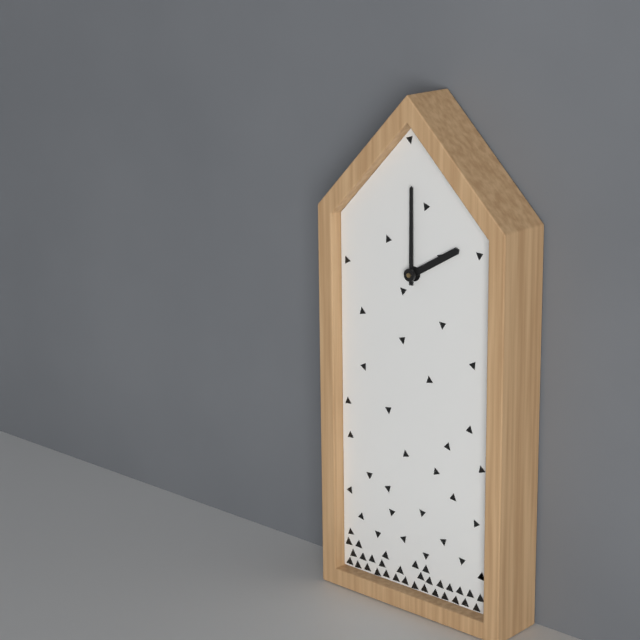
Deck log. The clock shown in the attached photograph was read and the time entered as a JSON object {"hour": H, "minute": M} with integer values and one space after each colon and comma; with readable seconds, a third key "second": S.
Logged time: {"hour": 2, "minute": 0}
